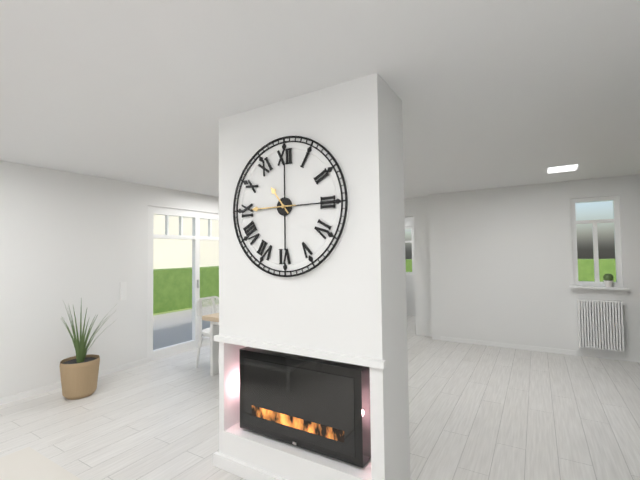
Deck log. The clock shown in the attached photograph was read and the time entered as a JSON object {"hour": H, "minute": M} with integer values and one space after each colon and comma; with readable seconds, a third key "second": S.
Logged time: {"hour": 10, "minute": 45}
